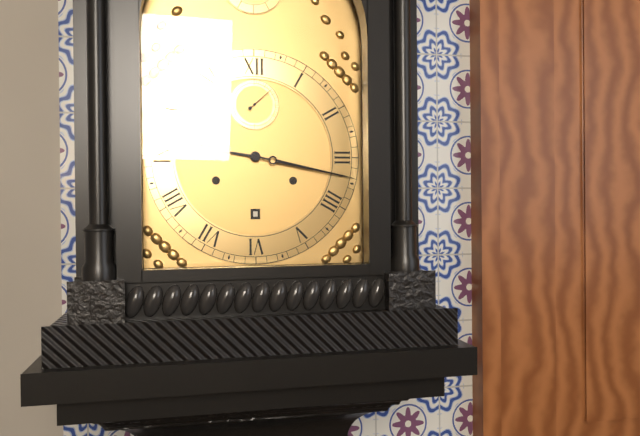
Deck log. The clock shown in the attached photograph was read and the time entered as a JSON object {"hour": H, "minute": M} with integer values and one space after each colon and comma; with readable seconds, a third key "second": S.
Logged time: {"hour": 9, "minute": 17}
